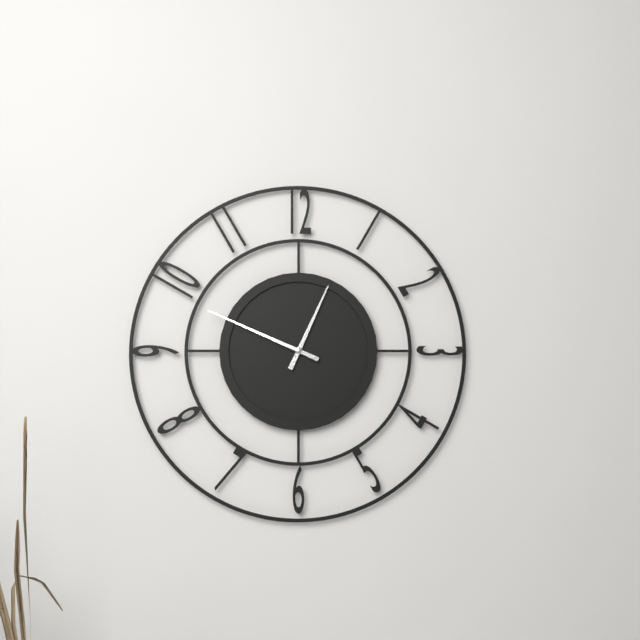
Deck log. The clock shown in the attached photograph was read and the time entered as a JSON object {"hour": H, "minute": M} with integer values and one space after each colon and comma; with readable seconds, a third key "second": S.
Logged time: {"hour": 12, "minute": 49}
